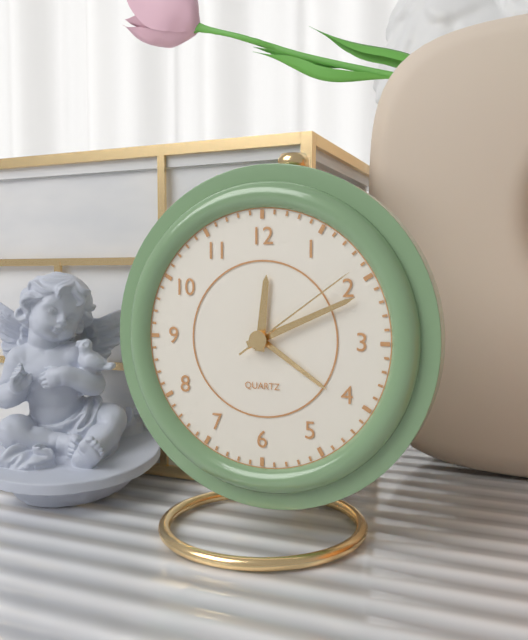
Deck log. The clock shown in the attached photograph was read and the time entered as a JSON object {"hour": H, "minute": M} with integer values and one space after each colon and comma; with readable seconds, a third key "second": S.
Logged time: {"hour": 12, "minute": 11, "second": 9}
